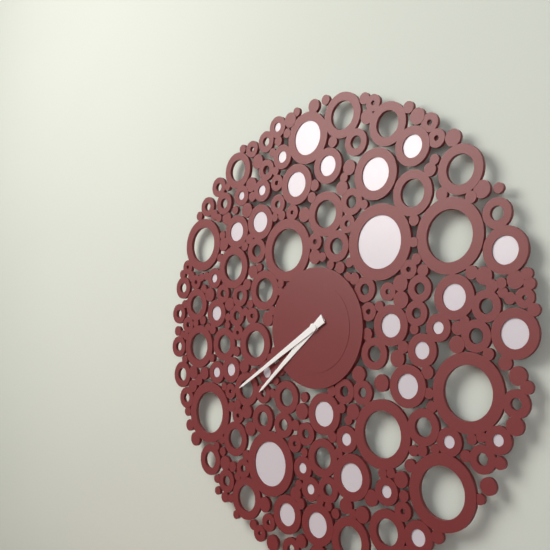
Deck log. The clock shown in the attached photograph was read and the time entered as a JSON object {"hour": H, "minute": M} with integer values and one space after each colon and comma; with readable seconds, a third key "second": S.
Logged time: {"hour": 7, "minute": 40}
